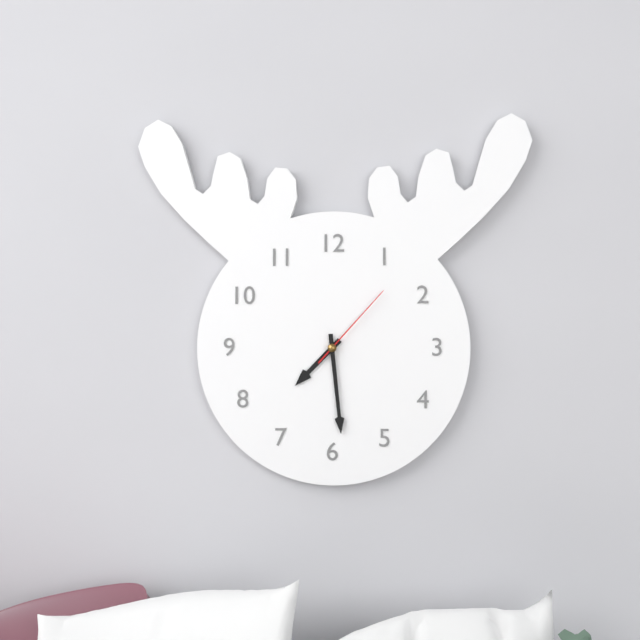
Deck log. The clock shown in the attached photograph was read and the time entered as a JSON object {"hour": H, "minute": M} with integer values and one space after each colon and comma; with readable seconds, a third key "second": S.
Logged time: {"hour": 7, "minute": 29, "second": 7}
